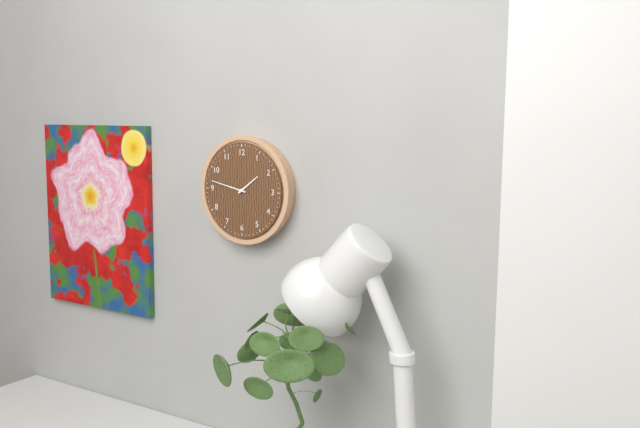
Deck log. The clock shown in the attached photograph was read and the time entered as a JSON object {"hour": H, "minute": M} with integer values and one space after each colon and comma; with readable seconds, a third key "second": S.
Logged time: {"hour": 1, "minute": 47}
